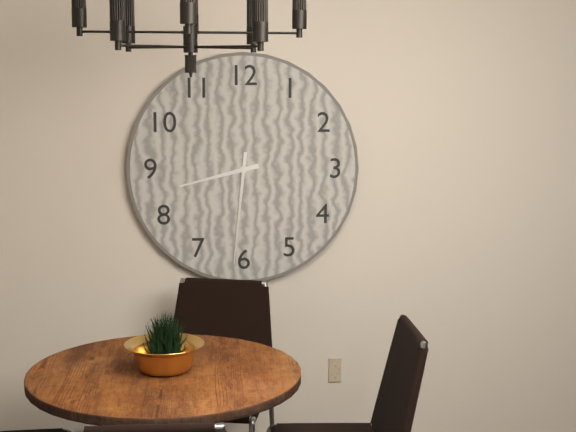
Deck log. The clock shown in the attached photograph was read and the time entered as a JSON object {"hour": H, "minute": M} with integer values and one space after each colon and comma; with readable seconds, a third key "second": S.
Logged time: {"hour": 8, "minute": 31}
